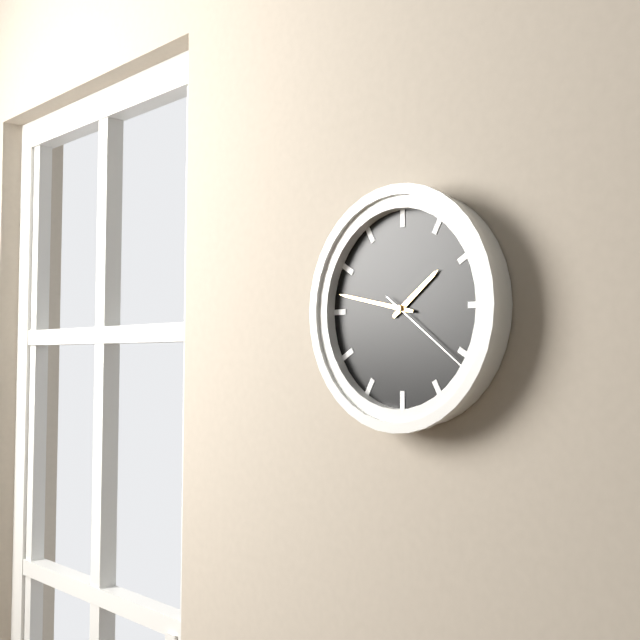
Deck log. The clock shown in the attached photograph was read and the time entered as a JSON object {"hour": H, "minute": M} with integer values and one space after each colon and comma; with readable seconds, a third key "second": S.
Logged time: {"hour": 1, "minute": 47, "second": 21}
